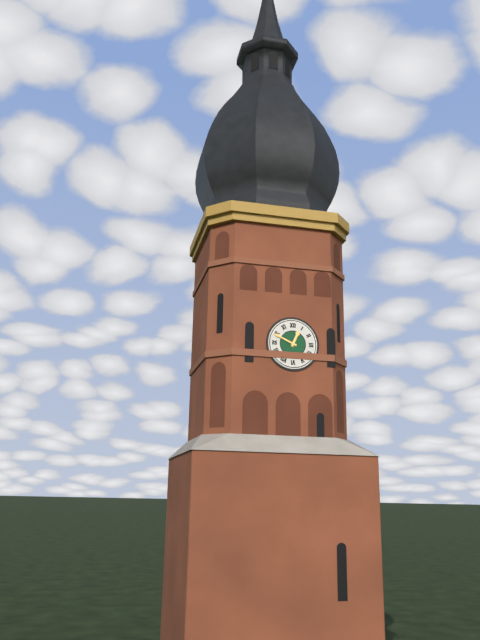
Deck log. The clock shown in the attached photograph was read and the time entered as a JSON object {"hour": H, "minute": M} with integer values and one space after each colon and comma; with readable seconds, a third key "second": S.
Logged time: {"hour": 12, "minute": 49}
